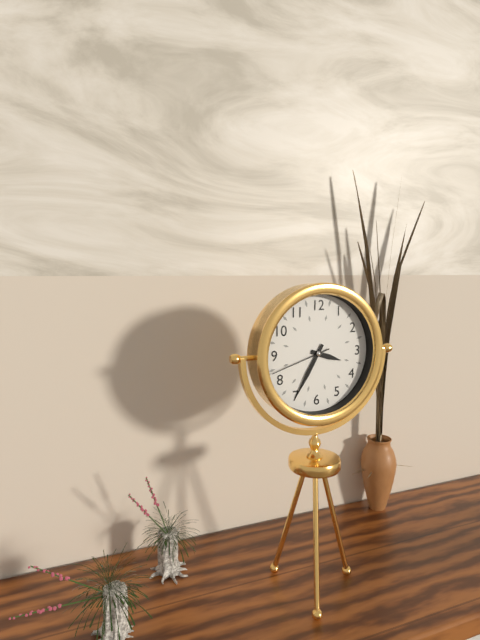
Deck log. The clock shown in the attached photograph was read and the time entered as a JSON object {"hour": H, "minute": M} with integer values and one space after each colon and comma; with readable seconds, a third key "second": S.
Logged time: {"hour": 3, "minute": 35, "second": 42}
